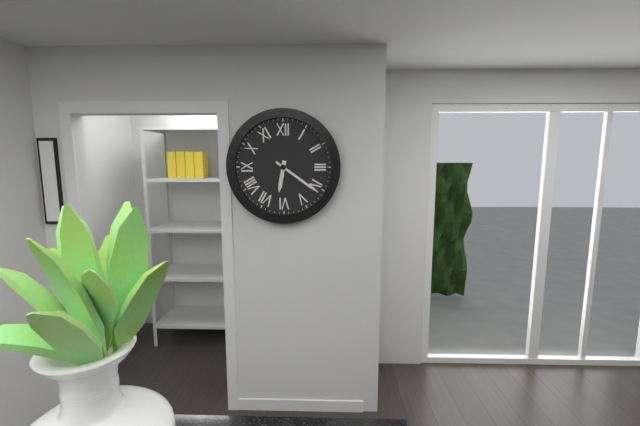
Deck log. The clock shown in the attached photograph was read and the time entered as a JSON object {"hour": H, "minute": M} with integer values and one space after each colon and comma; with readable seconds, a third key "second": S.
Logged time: {"hour": 6, "minute": 21}
